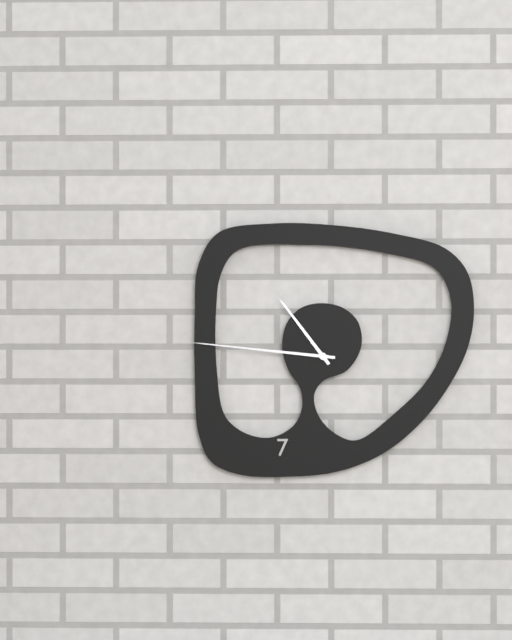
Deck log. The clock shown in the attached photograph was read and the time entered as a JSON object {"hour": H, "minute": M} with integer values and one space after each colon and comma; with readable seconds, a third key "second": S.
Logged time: {"hour": 10, "minute": 46}
